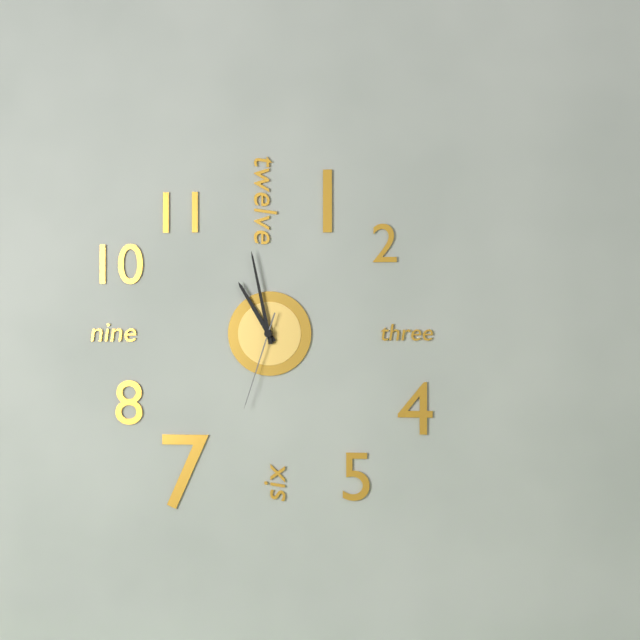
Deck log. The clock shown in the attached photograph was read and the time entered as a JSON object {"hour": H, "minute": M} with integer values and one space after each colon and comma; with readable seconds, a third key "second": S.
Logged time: {"hour": 10, "minute": 58, "second": 33}
